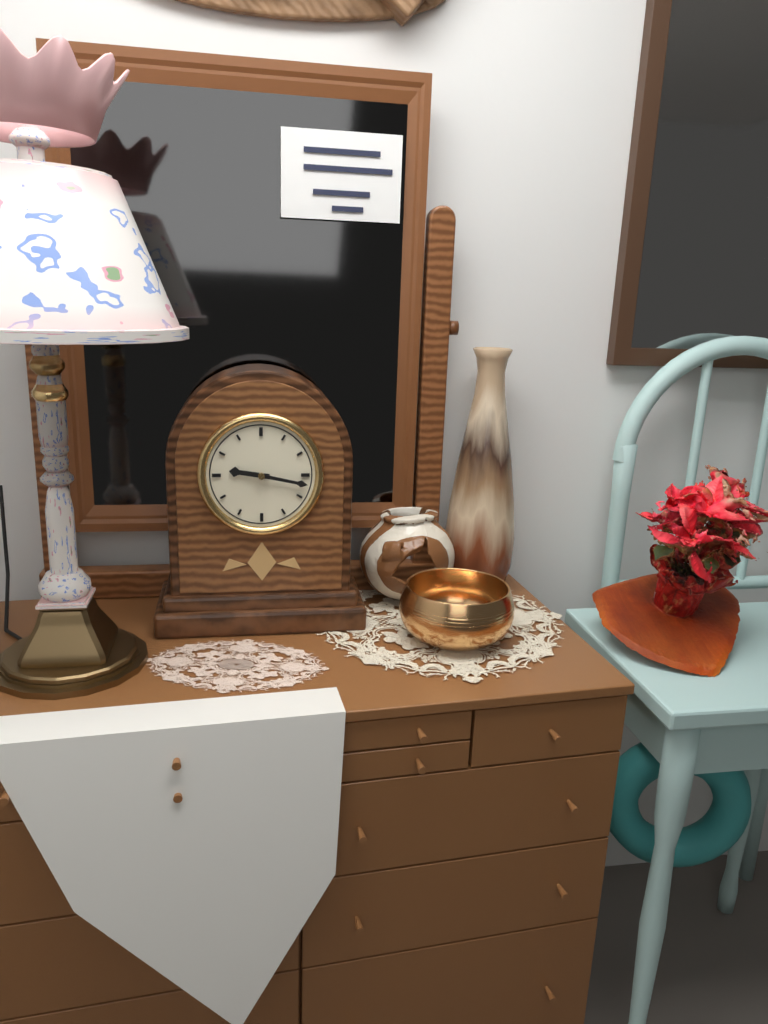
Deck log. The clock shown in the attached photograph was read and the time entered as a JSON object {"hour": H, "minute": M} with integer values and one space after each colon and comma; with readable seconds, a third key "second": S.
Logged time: {"hour": 9, "minute": 17}
